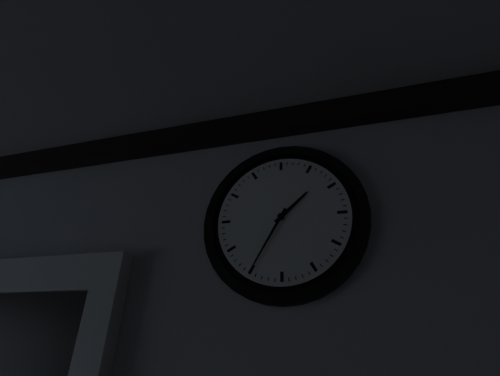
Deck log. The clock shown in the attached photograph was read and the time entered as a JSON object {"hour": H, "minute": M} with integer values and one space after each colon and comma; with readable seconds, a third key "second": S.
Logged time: {"hour": 1, "minute": 35}
